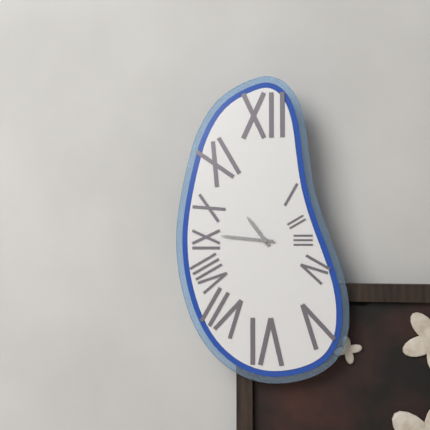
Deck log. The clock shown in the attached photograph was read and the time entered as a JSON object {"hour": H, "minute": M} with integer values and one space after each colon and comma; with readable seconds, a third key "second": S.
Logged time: {"hour": 10, "minute": 46}
